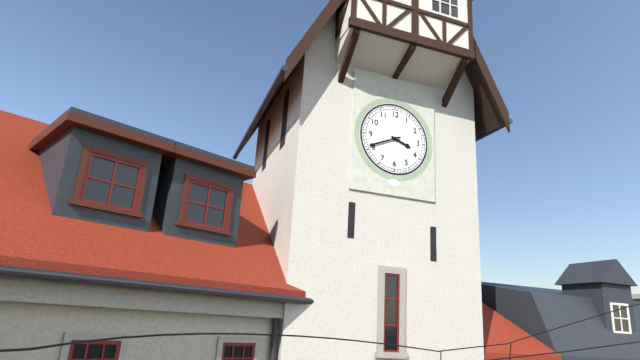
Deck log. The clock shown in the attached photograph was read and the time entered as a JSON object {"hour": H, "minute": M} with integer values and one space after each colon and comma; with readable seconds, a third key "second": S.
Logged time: {"hour": 3, "minute": 41}
